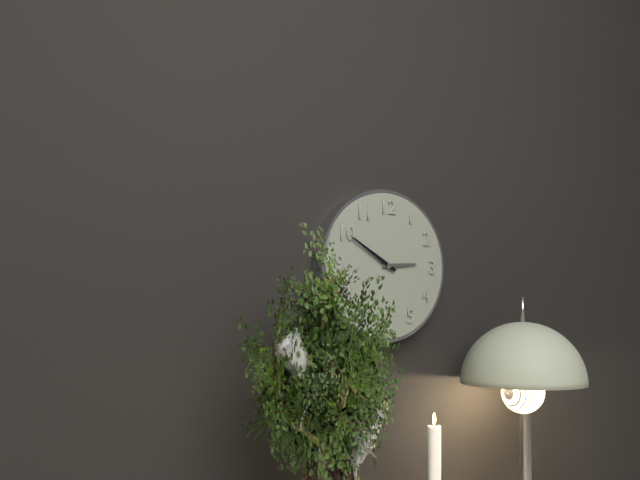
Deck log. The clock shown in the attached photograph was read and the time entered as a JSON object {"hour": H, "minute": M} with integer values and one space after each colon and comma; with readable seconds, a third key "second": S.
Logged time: {"hour": 2, "minute": 50}
